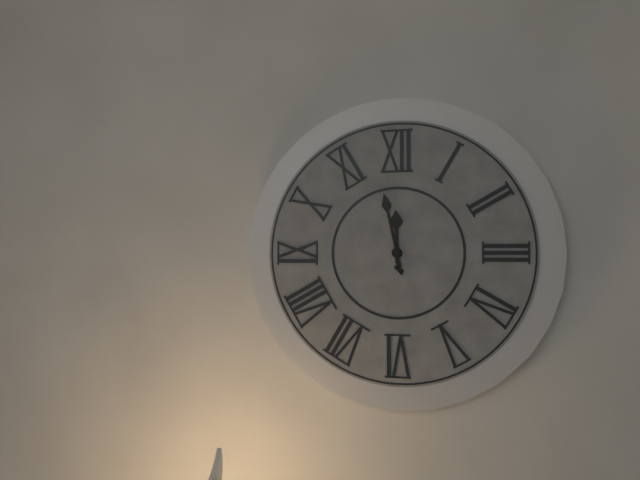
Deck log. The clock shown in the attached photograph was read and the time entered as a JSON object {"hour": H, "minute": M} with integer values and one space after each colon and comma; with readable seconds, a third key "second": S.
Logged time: {"hour": 11, "minute": 58}
